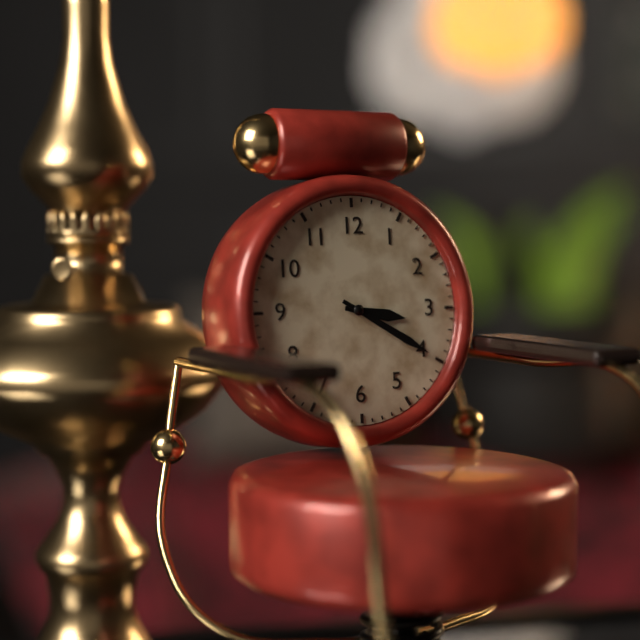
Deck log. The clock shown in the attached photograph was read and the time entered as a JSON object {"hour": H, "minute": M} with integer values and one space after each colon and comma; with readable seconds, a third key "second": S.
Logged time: {"hour": 3, "minute": 20}
